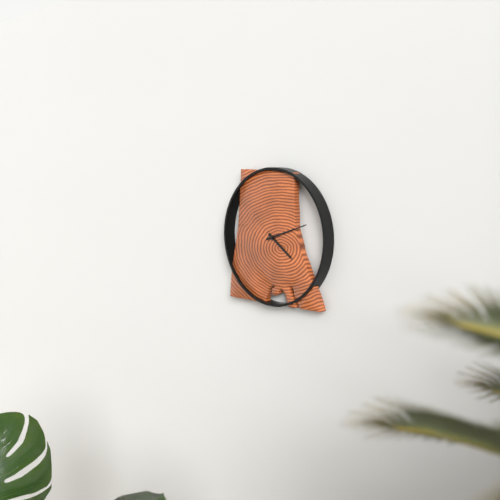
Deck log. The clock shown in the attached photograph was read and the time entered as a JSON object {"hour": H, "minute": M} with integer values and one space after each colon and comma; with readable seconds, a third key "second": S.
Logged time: {"hour": 4, "minute": 12}
